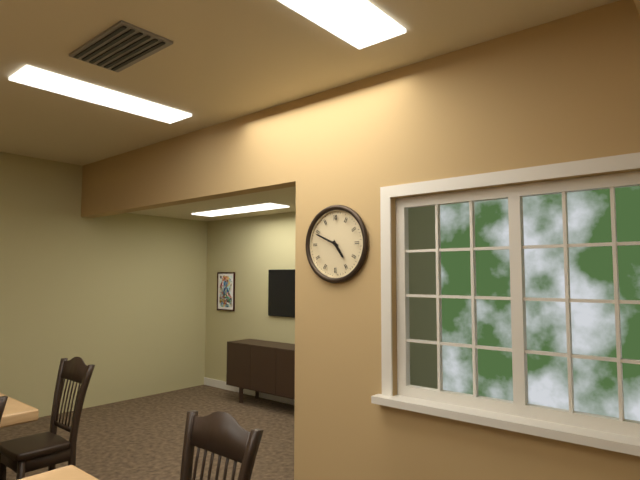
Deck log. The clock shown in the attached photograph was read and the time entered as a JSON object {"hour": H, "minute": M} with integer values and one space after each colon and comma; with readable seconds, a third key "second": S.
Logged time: {"hour": 4, "minute": 49}
